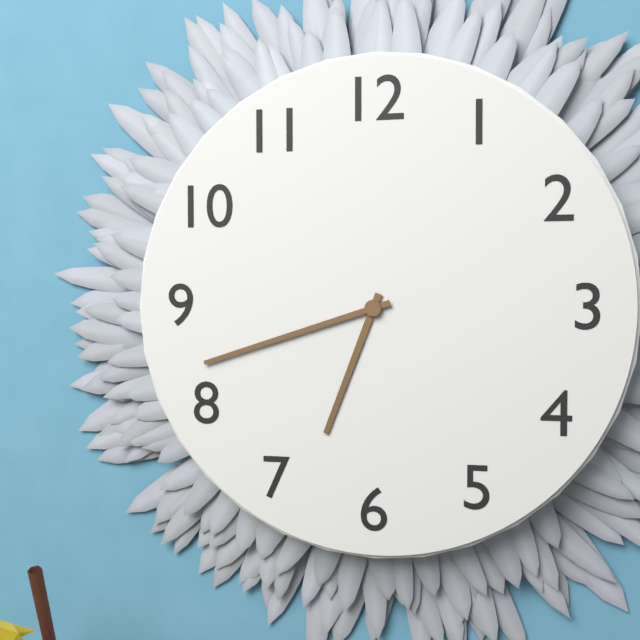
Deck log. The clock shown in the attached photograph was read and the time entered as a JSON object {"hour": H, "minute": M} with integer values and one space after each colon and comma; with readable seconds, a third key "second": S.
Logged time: {"hour": 6, "minute": 42}
